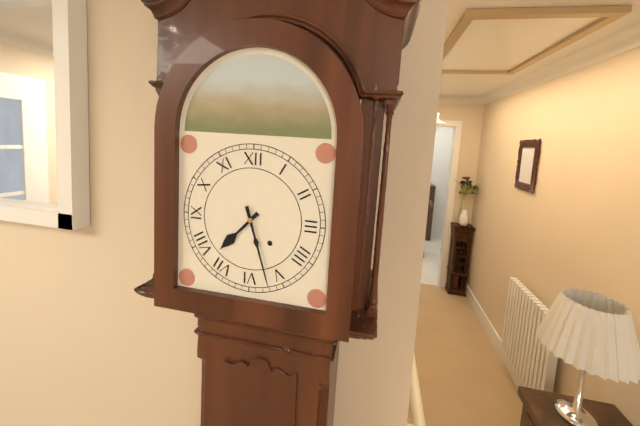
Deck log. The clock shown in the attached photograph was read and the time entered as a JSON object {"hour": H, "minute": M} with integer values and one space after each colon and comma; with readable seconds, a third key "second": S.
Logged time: {"hour": 7, "minute": 27}
